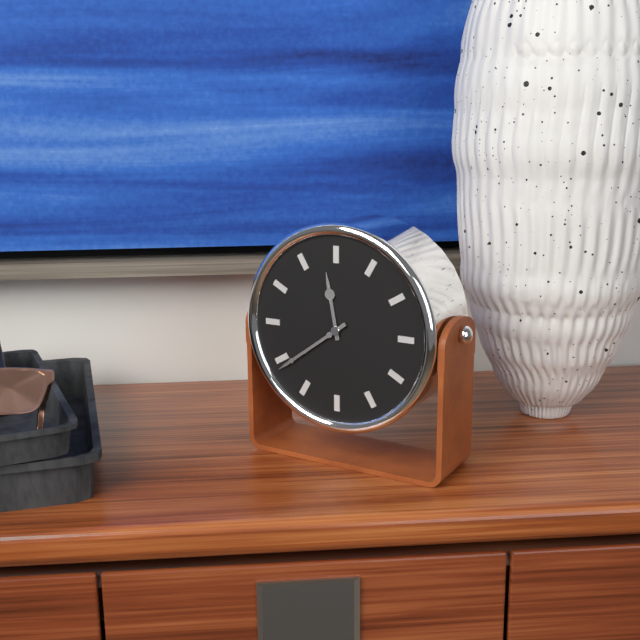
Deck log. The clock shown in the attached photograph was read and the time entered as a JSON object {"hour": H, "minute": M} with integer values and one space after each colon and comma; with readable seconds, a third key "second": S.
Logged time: {"hour": 11, "minute": 39}
